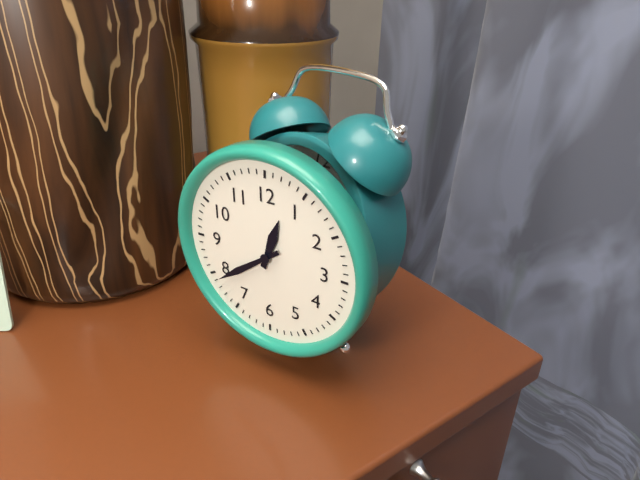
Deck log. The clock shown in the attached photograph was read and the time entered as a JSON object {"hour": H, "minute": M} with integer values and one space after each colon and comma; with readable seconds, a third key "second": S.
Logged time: {"hour": 12, "minute": 39}
